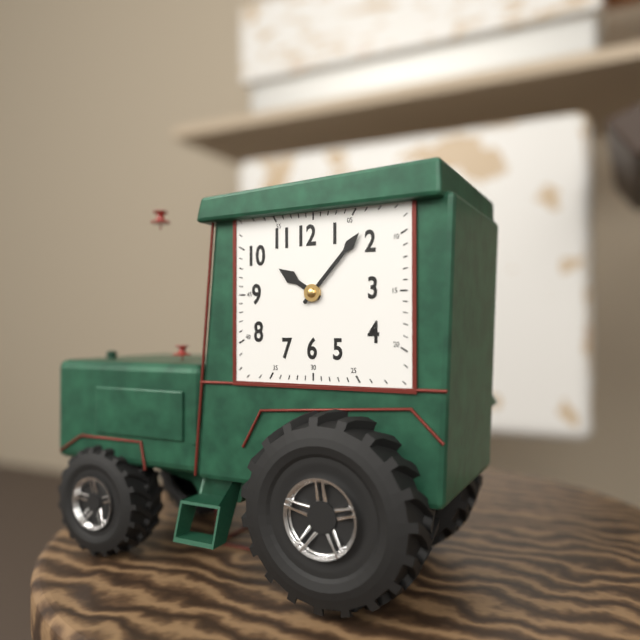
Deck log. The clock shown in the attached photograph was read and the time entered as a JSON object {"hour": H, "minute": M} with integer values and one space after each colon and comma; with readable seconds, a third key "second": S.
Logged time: {"hour": 10, "minute": 7}
